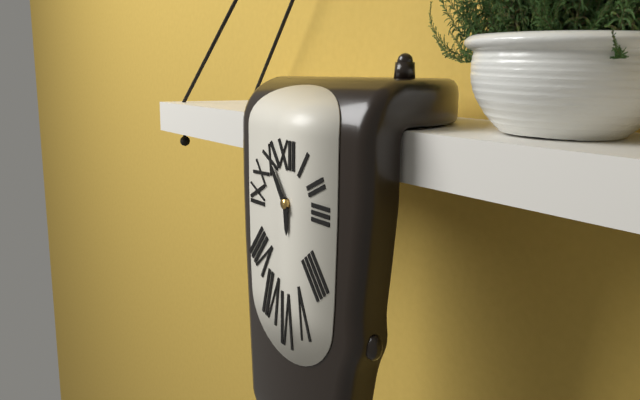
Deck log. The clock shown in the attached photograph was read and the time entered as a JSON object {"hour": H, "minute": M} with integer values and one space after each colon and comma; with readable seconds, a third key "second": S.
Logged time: {"hour": 5, "minute": 54}
